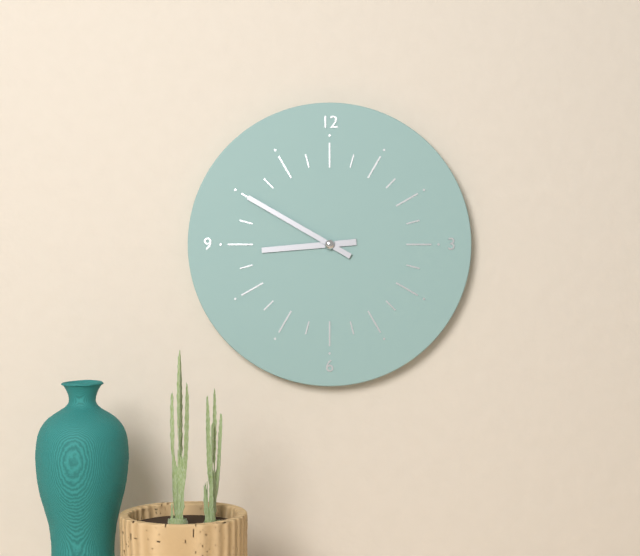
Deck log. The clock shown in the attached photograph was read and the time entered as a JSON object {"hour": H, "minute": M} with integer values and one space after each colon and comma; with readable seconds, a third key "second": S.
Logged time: {"hour": 8, "minute": 50}
